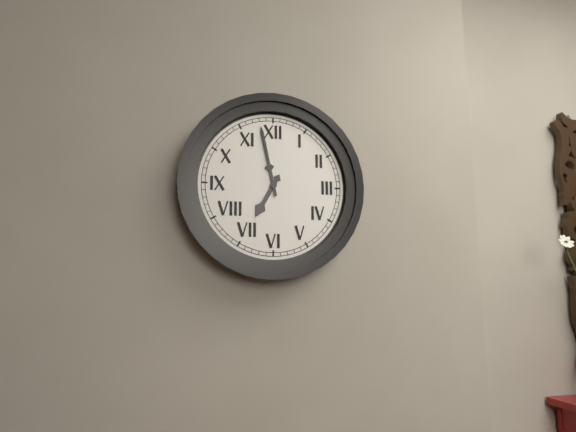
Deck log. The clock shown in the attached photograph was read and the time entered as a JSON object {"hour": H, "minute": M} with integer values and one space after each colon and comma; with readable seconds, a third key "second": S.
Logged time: {"hour": 6, "minute": 58}
